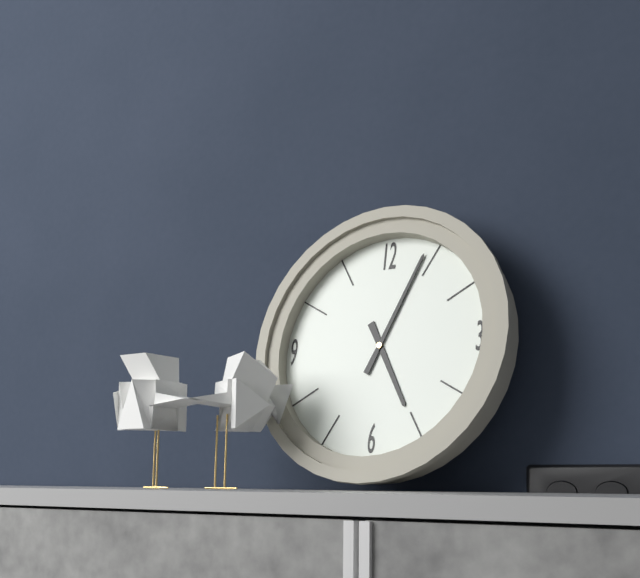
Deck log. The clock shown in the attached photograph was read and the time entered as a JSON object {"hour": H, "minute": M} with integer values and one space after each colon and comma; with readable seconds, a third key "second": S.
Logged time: {"hour": 5, "minute": 4}
